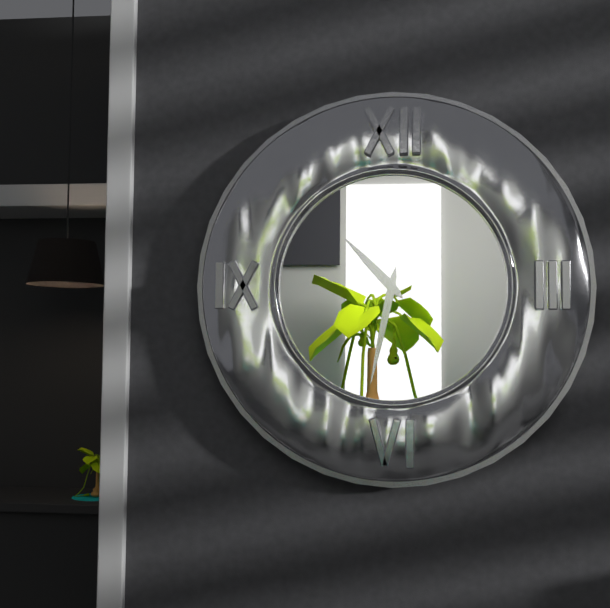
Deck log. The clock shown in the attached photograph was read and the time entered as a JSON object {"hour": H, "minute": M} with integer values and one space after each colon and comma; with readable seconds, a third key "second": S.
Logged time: {"hour": 10, "minute": 32}
